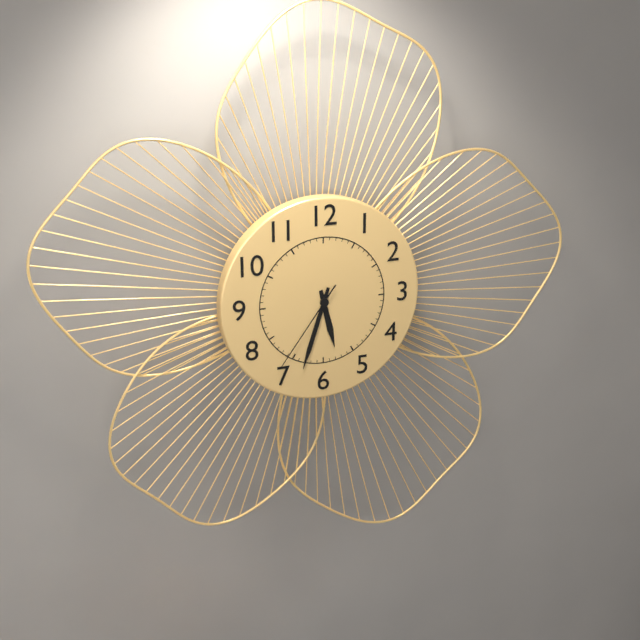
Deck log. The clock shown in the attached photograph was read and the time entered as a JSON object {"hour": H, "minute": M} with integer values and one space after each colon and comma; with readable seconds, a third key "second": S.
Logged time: {"hour": 5, "minute": 33, "second": 36}
